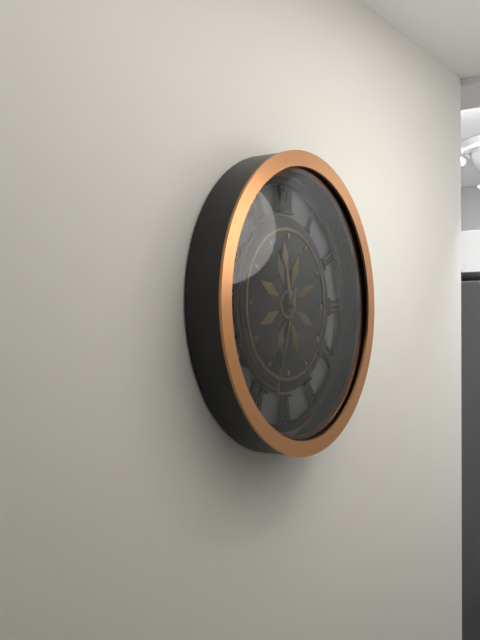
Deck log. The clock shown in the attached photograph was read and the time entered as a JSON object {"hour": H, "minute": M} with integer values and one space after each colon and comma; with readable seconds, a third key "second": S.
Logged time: {"hour": 11, "minute": 33}
